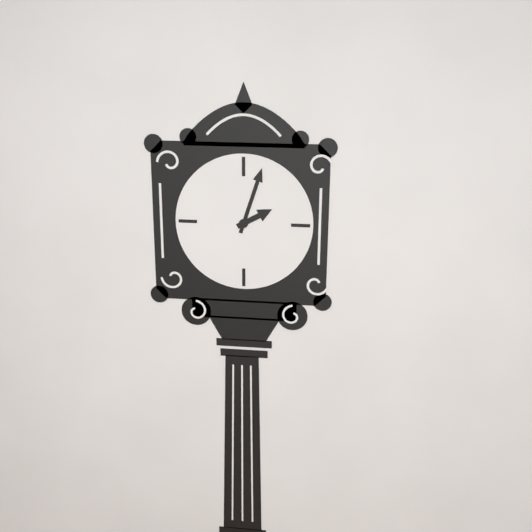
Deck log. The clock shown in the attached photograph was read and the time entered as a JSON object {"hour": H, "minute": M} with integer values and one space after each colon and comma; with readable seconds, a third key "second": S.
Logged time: {"hour": 2, "minute": 3}
